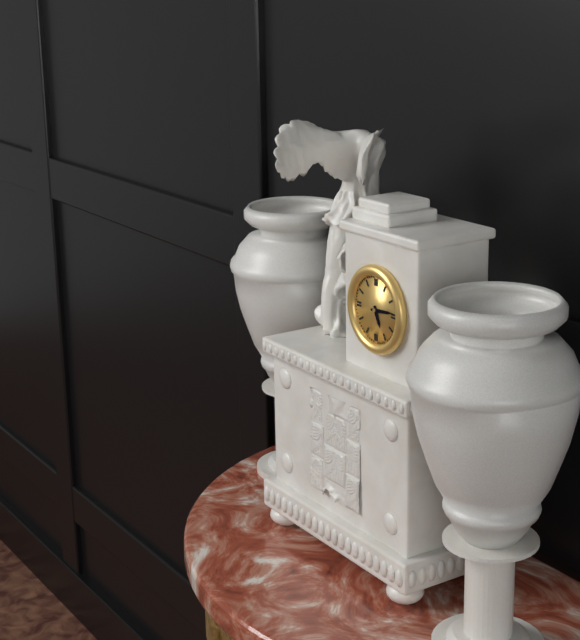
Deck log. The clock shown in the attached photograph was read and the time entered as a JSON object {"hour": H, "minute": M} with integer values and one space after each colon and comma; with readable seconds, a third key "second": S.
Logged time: {"hour": 5, "minute": 14}
